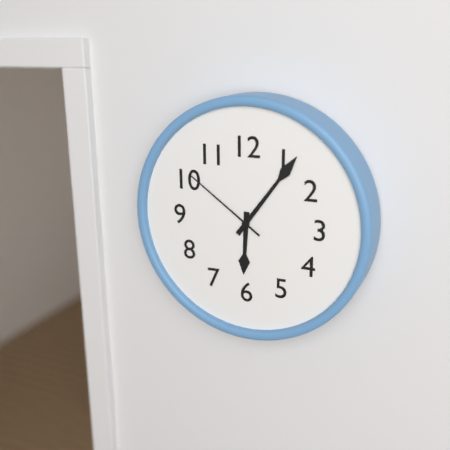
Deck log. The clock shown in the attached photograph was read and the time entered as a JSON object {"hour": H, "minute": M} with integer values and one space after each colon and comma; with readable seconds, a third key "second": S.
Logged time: {"hour": 6, "minute": 6, "second": 51}
